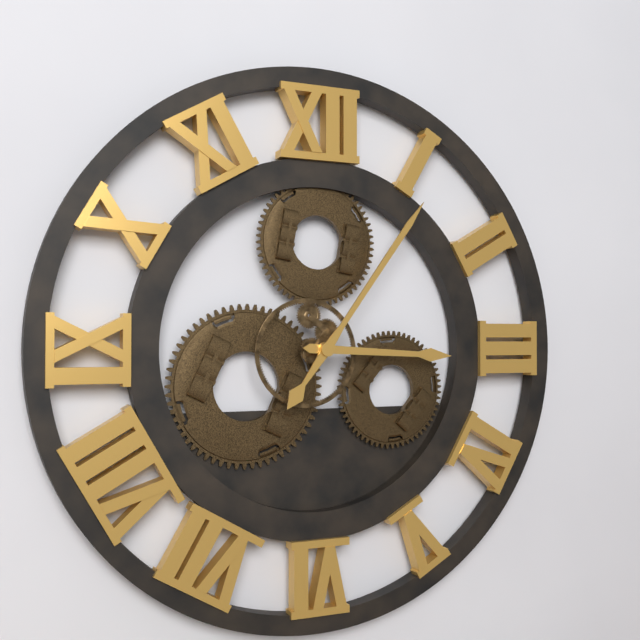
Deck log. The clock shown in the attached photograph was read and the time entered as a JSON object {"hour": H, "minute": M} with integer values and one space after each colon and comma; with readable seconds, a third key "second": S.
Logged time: {"hour": 3, "minute": 6}
